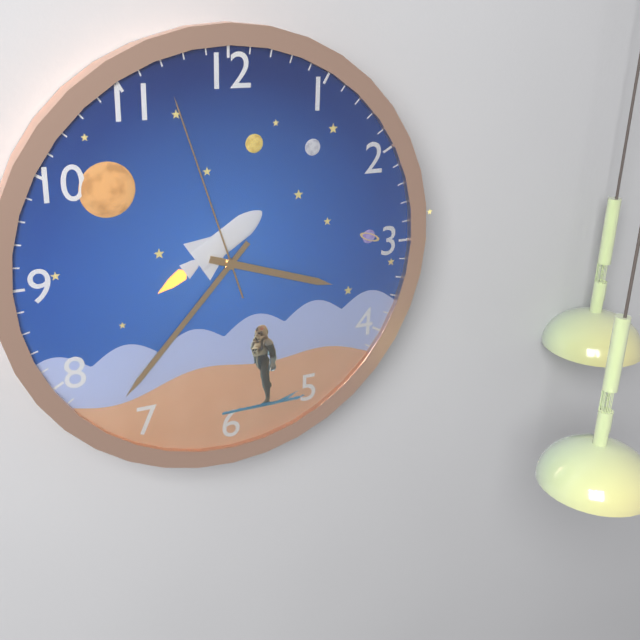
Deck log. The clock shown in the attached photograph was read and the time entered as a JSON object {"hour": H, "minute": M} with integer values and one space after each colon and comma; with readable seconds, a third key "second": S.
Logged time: {"hour": 3, "minute": 37, "second": 57}
